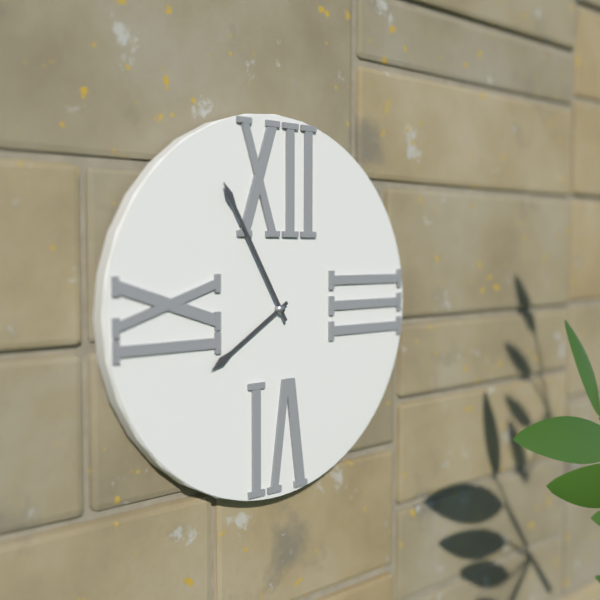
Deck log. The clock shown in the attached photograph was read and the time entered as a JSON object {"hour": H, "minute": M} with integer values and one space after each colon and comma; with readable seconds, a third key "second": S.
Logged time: {"hour": 7, "minute": 55}
